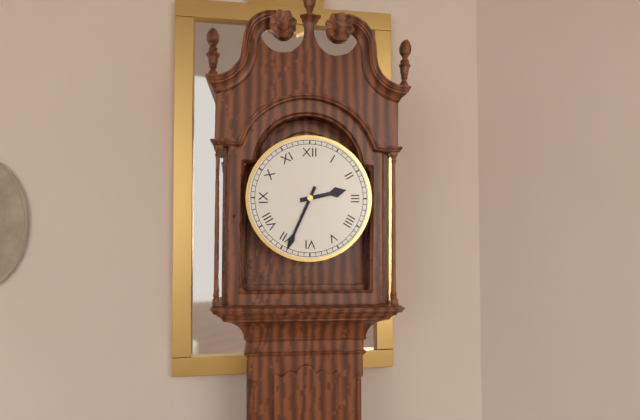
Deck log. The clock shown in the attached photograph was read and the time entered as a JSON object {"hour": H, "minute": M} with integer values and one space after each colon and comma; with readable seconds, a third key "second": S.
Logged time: {"hour": 2, "minute": 34}
